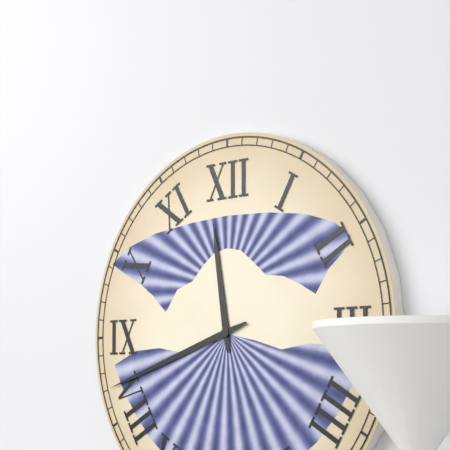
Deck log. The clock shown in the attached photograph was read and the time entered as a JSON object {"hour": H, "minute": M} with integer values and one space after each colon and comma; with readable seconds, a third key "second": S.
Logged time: {"hour": 11, "minute": 42}
